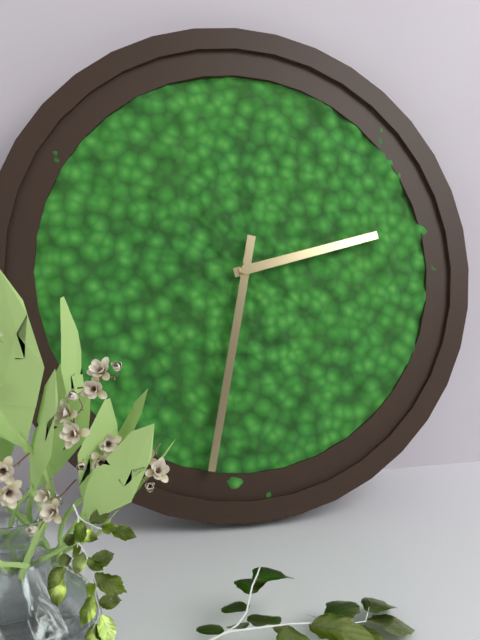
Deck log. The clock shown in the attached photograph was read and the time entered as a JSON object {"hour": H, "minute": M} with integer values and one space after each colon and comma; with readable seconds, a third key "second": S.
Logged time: {"hour": 2, "minute": 32}
